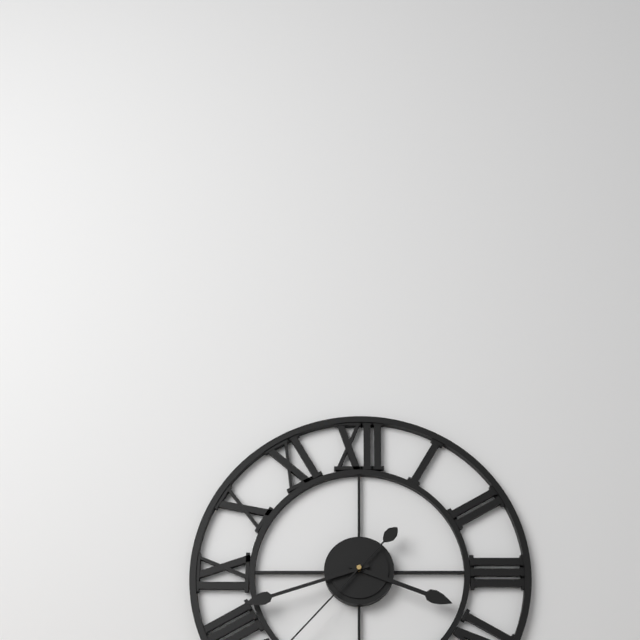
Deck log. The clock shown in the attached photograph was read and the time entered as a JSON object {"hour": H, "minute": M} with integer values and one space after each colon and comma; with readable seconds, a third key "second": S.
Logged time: {"hour": 3, "minute": 42}
